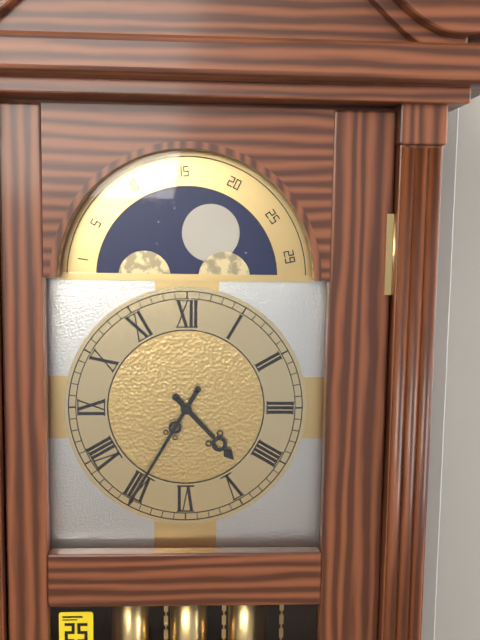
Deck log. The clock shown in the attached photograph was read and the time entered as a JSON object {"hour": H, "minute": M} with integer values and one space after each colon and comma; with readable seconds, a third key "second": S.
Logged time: {"hour": 4, "minute": 35}
